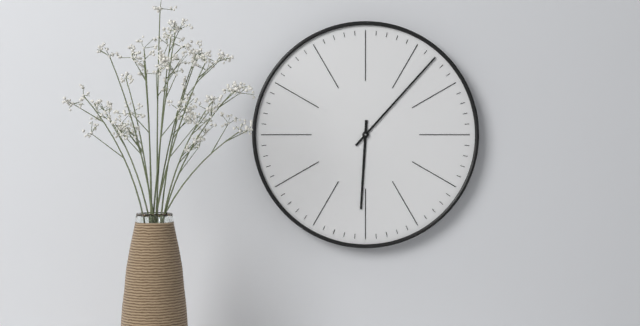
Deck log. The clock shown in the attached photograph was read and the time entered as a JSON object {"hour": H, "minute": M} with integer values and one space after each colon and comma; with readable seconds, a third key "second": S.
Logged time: {"hour": 6, "minute": 7}
